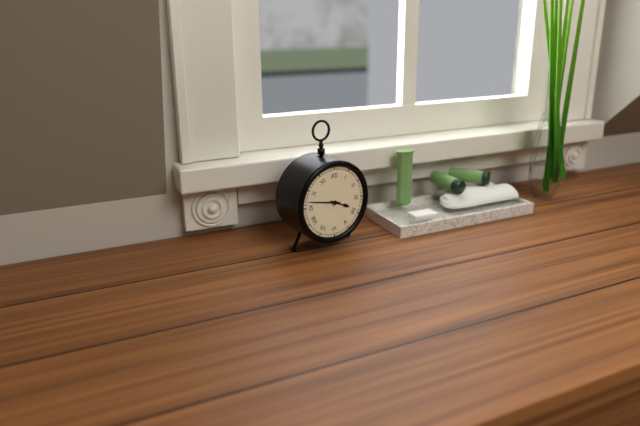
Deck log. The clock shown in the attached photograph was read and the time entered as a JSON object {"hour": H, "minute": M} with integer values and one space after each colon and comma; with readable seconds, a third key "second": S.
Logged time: {"hour": 3, "minute": 47}
